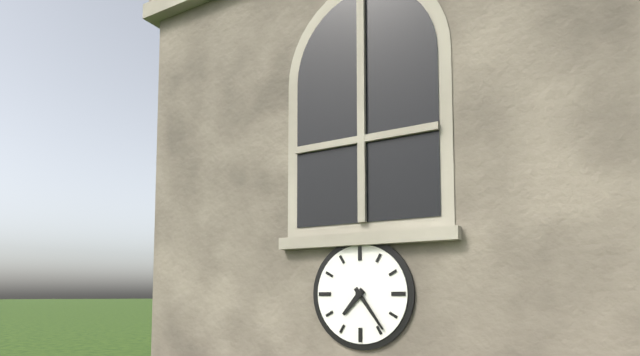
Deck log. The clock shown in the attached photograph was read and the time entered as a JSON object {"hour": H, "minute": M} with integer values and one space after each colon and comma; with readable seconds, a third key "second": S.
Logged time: {"hour": 7, "minute": 24}
